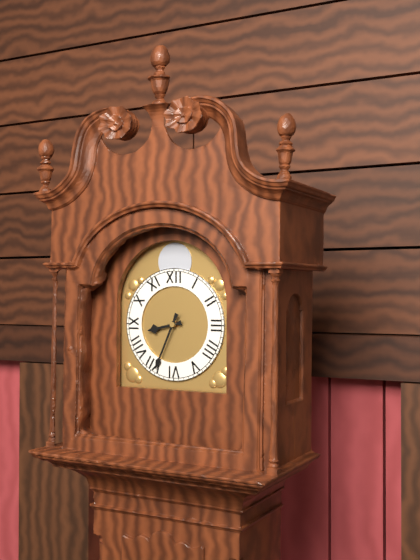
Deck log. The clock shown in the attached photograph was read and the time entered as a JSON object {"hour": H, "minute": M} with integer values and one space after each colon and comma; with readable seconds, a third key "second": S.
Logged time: {"hour": 8, "minute": 34}
